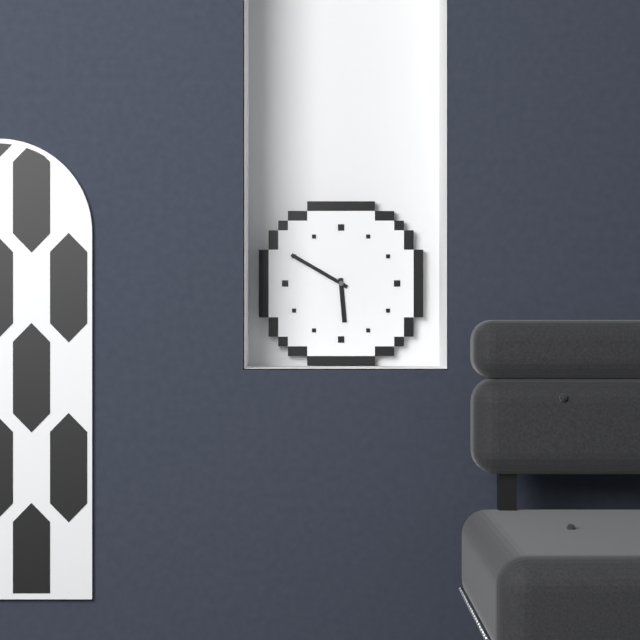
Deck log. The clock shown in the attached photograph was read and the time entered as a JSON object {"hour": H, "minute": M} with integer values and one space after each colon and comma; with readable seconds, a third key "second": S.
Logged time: {"hour": 5, "minute": 50}
